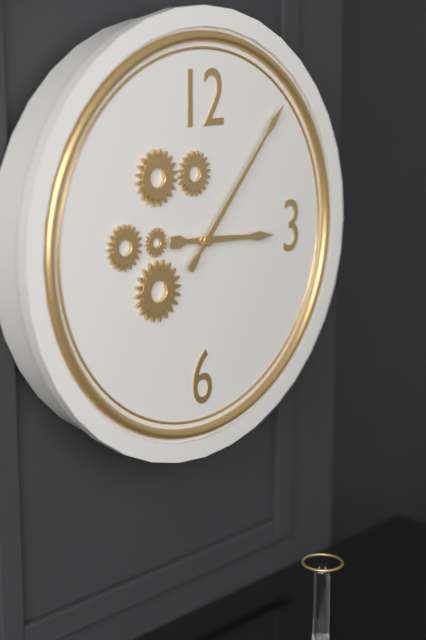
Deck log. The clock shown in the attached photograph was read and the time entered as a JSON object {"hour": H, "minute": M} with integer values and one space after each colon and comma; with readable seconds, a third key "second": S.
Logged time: {"hour": 3, "minute": 7}
